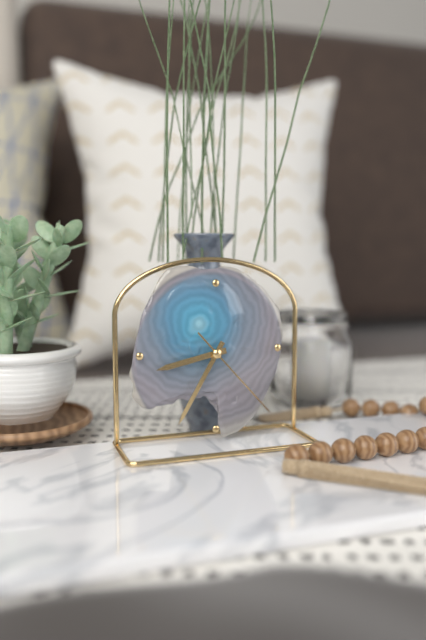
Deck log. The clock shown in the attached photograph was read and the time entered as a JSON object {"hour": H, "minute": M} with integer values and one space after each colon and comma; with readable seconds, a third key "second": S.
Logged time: {"hour": 8, "minute": 35, "second": 23}
